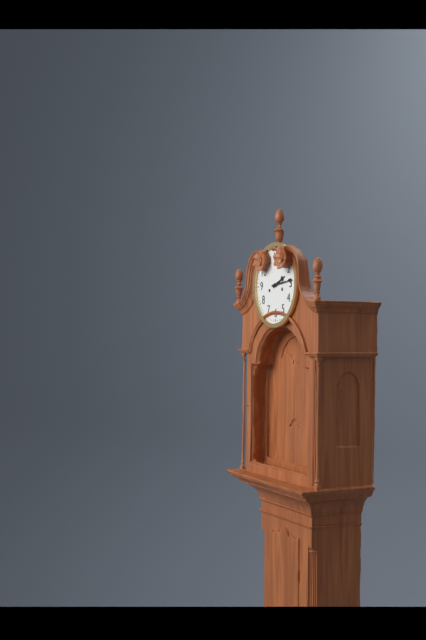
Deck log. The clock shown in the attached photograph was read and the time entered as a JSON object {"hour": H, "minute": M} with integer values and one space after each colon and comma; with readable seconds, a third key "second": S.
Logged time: {"hour": 2, "minute": 14}
